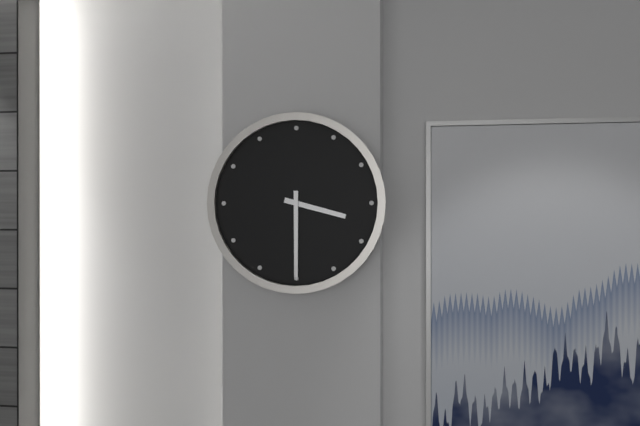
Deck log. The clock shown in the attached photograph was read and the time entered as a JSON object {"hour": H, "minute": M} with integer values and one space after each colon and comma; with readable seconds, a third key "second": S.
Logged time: {"hour": 3, "minute": 30}
